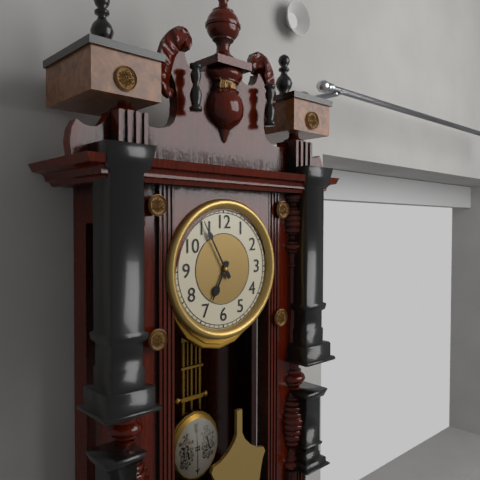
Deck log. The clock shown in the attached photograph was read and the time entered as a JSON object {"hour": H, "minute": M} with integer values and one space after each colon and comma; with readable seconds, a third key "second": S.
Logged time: {"hour": 6, "minute": 55}
